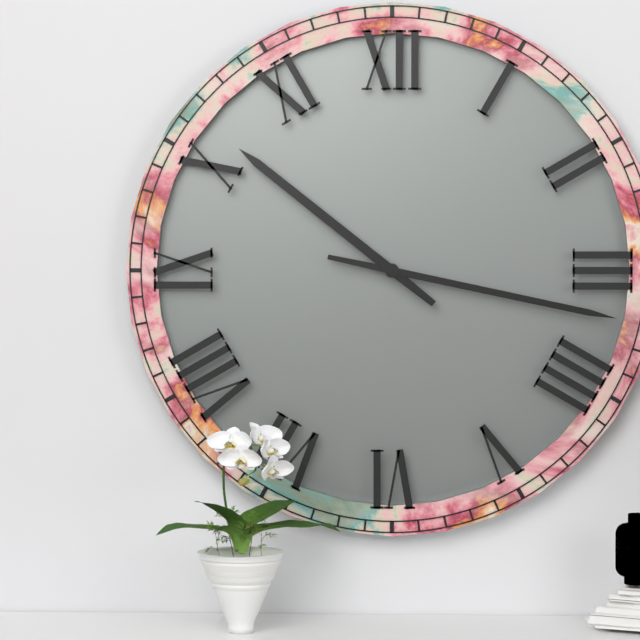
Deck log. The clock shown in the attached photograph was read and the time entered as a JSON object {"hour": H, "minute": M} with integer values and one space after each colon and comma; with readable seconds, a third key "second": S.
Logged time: {"hour": 10, "minute": 17}
